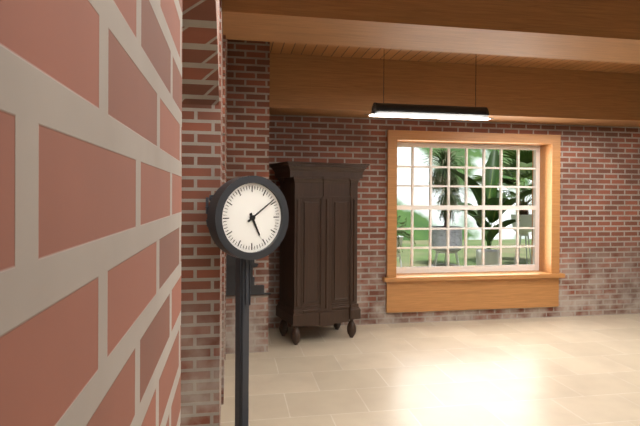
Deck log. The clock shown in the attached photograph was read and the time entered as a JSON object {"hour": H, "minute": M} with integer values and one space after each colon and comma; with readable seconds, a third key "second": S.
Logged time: {"hour": 5, "minute": 9}
